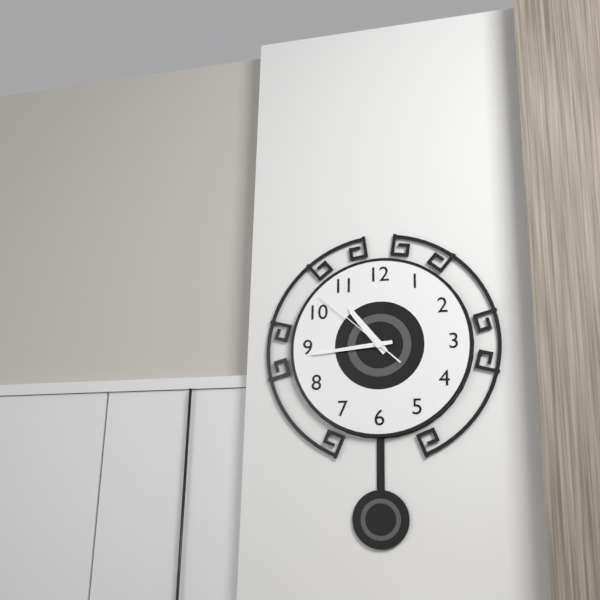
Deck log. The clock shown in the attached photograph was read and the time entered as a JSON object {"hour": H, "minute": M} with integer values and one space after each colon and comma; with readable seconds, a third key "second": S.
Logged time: {"hour": 10, "minute": 44, "second": 52}
